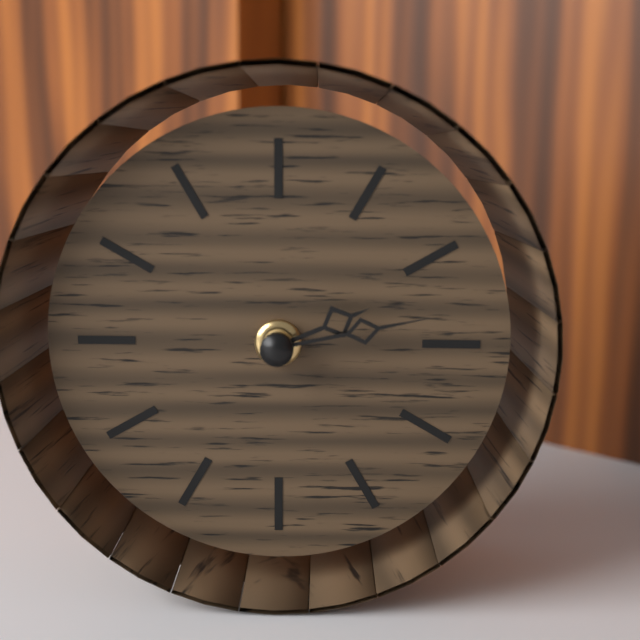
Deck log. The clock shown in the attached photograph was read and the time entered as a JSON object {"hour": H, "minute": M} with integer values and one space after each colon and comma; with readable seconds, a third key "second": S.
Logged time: {"hour": 2, "minute": 13}
